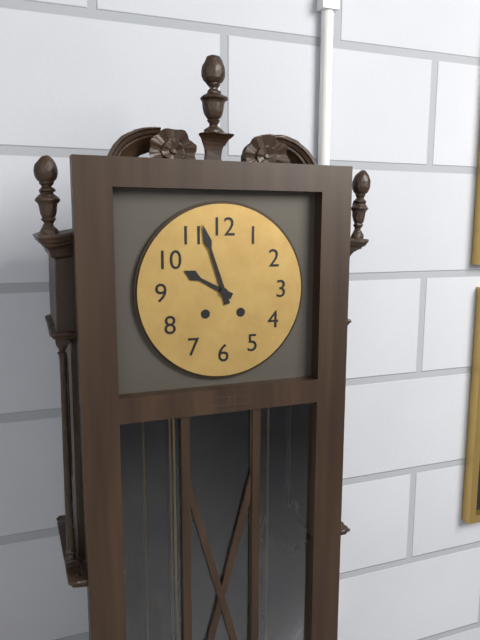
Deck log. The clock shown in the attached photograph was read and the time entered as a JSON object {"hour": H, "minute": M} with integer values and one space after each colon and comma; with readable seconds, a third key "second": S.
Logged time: {"hour": 9, "minute": 57}
